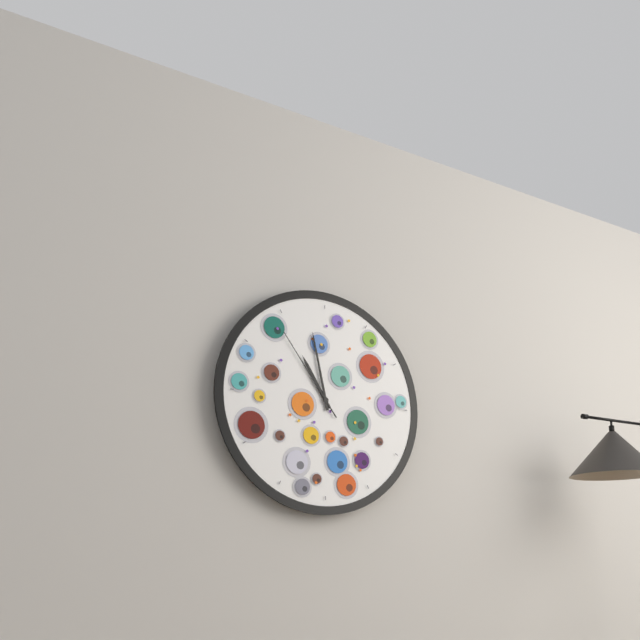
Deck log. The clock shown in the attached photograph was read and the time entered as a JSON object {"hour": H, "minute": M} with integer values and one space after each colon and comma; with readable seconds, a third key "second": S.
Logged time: {"hour": 10, "minute": 58, "second": 54}
